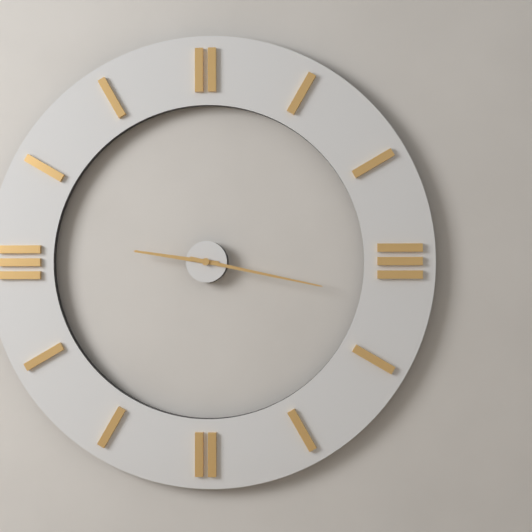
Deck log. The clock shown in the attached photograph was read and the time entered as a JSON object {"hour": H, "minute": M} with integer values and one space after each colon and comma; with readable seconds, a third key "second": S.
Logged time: {"hour": 9, "minute": 17}
